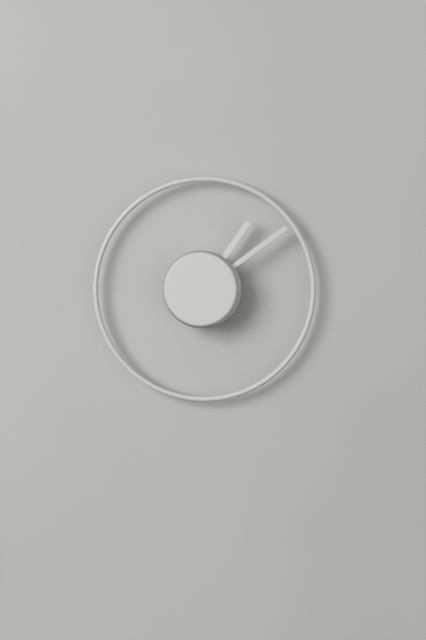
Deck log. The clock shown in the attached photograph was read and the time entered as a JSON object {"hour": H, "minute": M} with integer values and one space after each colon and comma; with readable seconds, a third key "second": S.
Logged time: {"hour": 1, "minute": 9}
